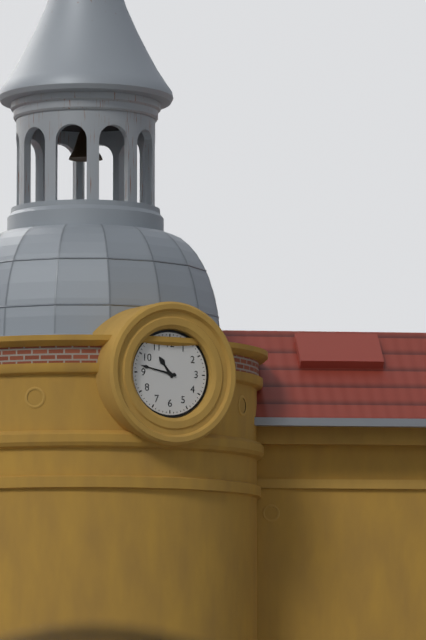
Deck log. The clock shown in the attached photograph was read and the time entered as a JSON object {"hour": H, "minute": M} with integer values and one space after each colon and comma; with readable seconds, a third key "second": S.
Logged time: {"hour": 10, "minute": 47}
